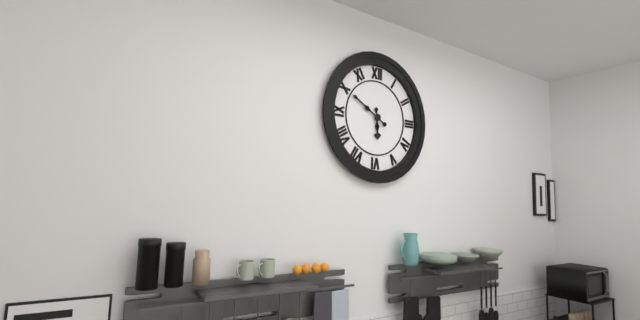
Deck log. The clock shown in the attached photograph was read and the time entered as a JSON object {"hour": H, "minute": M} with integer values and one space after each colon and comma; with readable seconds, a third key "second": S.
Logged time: {"hour": 5, "minute": 50}
